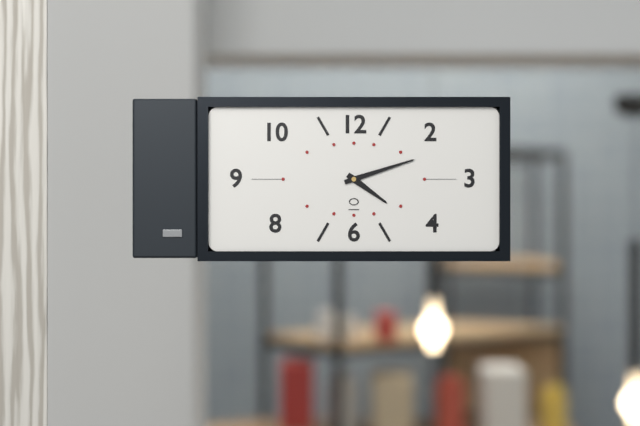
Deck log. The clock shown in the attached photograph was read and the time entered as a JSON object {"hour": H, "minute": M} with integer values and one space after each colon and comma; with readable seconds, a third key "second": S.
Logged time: {"hour": 4, "minute": 12}
